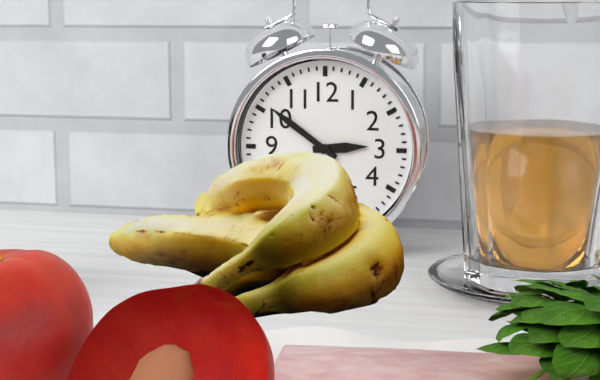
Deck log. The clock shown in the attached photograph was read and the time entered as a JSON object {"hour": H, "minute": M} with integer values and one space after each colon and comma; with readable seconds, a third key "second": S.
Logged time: {"hour": 2, "minute": 51}
